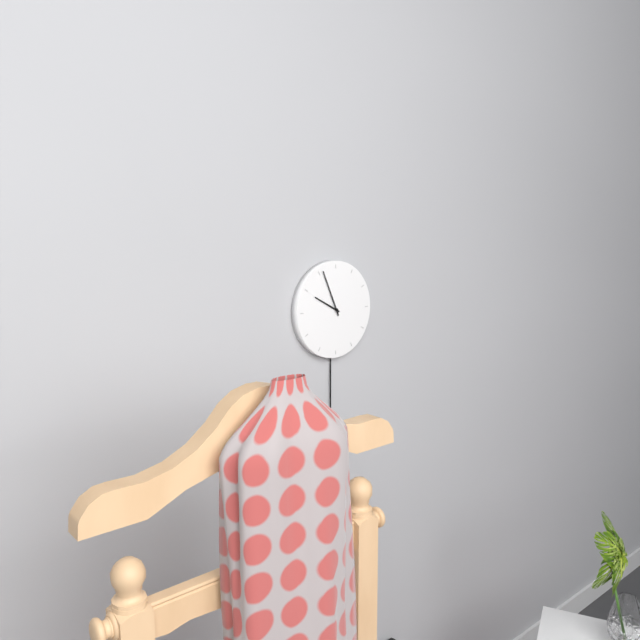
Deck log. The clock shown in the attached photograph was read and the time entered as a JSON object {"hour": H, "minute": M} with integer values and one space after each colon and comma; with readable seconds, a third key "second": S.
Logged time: {"hour": 9, "minute": 56}
